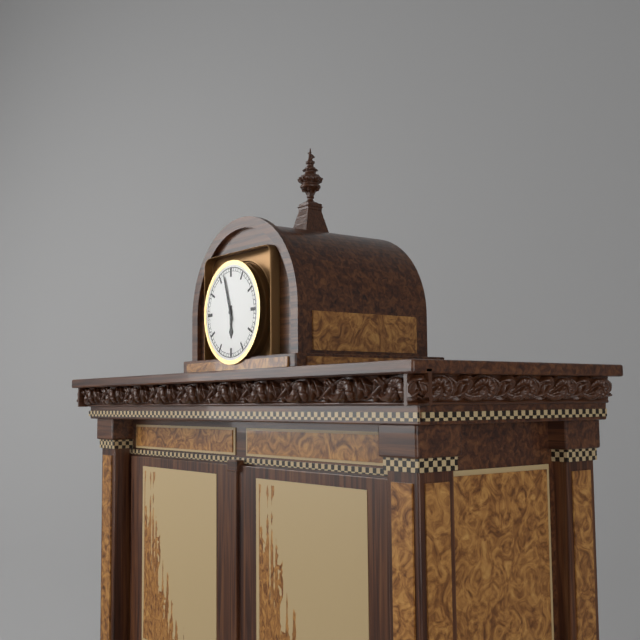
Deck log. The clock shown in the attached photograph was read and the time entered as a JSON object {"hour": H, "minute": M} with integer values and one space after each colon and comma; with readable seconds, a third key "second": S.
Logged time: {"hour": 5, "minute": 57}
